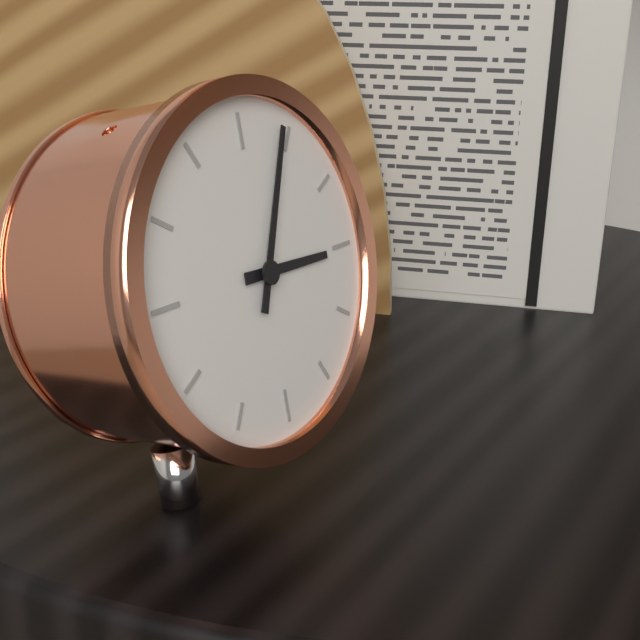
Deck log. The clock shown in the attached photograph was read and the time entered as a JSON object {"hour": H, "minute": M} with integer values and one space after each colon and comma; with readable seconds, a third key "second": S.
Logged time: {"hour": 3, "minute": 4}
